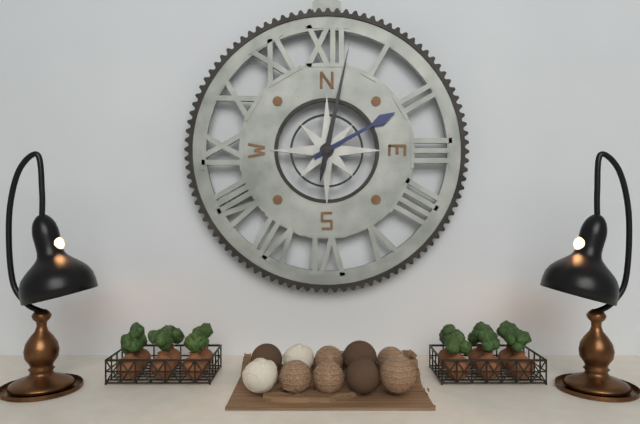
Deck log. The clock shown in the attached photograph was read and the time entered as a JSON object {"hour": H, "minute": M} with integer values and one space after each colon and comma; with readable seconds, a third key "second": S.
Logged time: {"hour": 2, "minute": 2}
